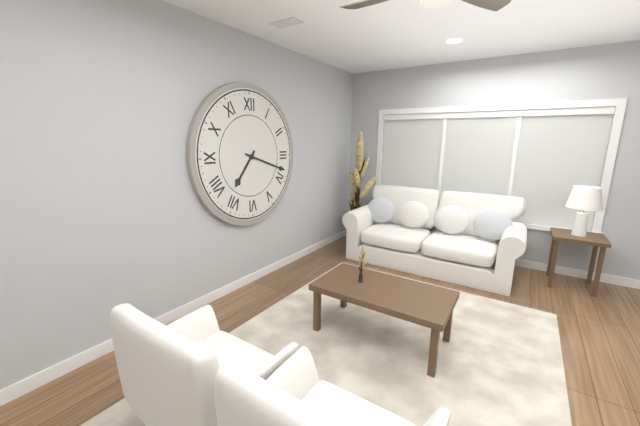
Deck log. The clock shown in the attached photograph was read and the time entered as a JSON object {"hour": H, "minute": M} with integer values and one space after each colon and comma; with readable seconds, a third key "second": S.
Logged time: {"hour": 7, "minute": 18}
